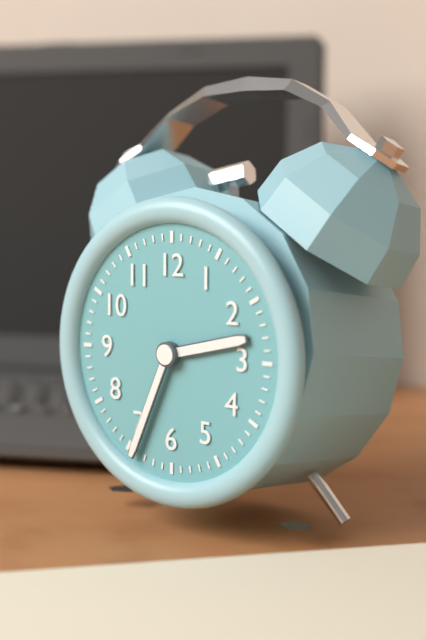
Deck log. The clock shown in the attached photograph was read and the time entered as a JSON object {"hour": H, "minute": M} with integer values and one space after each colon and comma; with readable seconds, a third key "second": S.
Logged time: {"hour": 2, "minute": 34}
